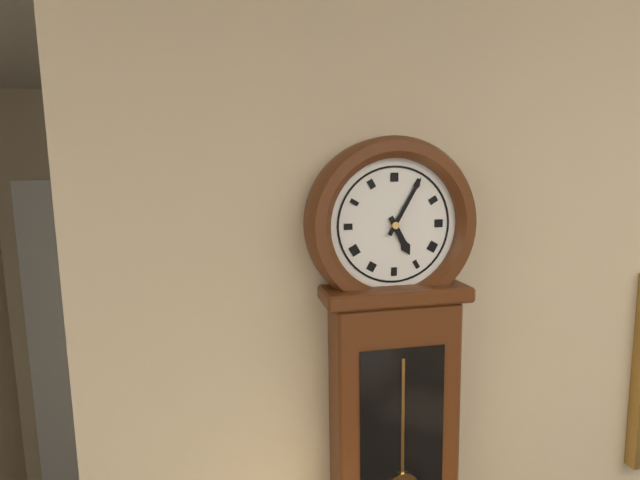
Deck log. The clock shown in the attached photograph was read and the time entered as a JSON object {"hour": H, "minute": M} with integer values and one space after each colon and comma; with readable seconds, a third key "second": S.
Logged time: {"hour": 5, "minute": 5}
